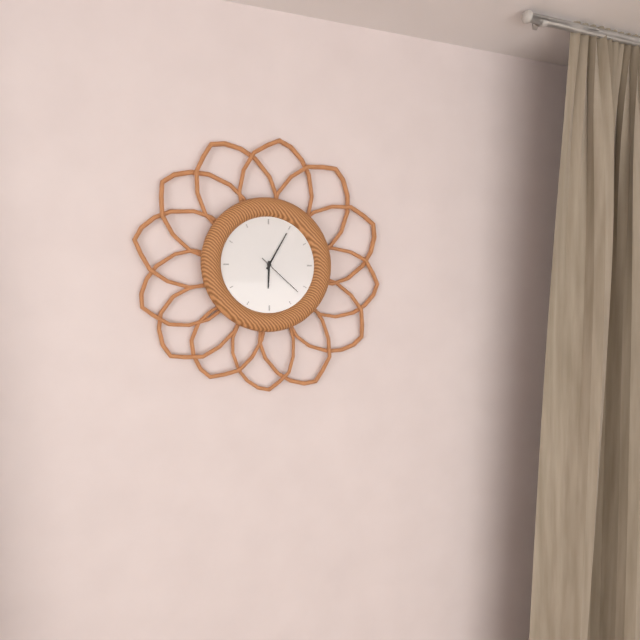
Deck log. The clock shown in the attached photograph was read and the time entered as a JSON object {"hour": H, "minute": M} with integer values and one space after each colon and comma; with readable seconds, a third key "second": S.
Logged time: {"hour": 6, "minute": 5, "second": 22}
